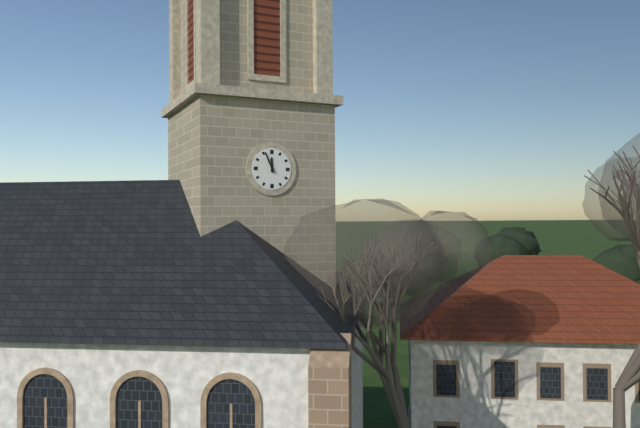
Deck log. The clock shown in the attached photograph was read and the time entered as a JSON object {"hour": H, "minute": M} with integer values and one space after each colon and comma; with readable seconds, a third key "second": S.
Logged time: {"hour": 11, "minute": 56}
